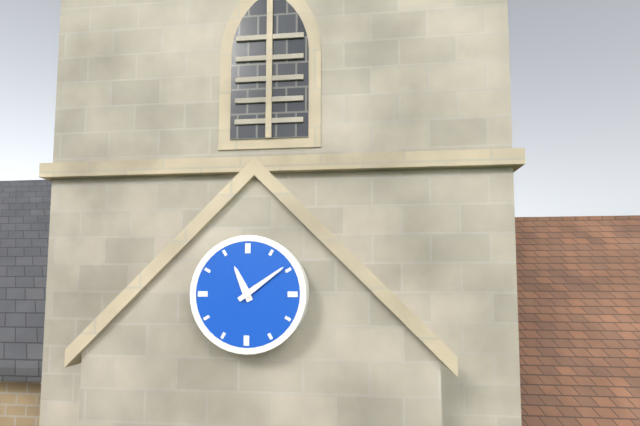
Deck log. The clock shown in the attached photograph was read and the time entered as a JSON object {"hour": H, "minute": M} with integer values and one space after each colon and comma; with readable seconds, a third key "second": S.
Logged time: {"hour": 11, "minute": 9}
